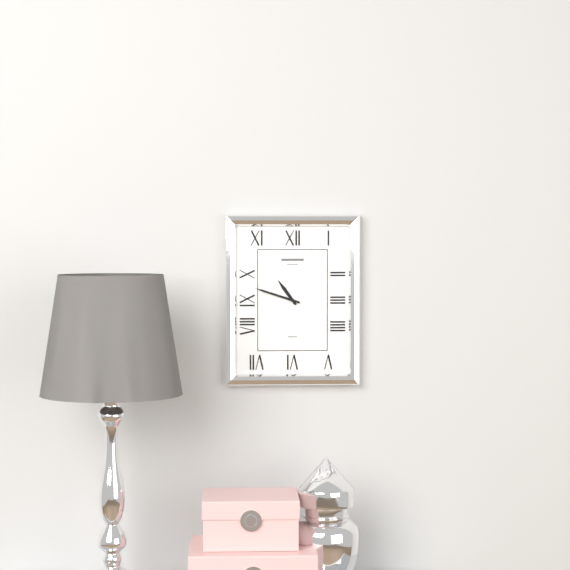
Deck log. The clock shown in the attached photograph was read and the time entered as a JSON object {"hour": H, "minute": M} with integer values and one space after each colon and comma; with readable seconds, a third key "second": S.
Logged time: {"hour": 10, "minute": 48}
